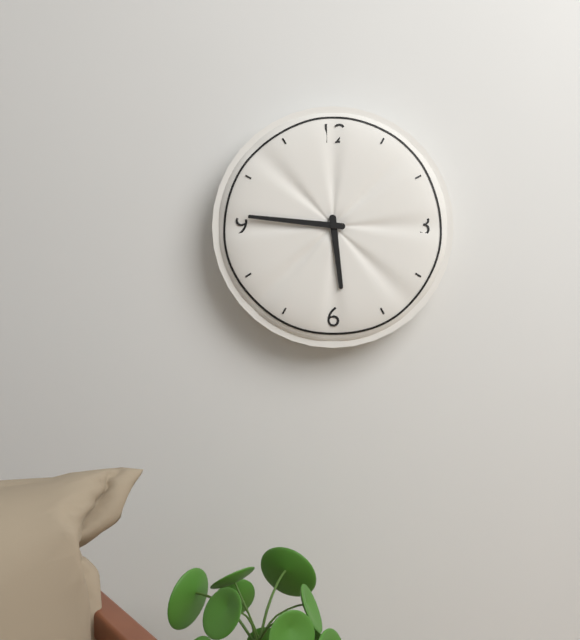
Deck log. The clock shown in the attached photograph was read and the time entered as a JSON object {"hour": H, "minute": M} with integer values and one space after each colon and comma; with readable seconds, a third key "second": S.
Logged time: {"hour": 5, "minute": 46}
